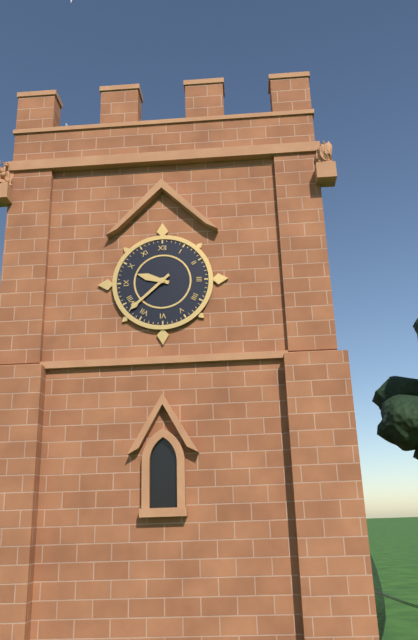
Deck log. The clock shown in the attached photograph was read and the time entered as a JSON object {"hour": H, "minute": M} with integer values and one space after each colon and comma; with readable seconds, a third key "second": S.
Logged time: {"hour": 9, "minute": 38}
